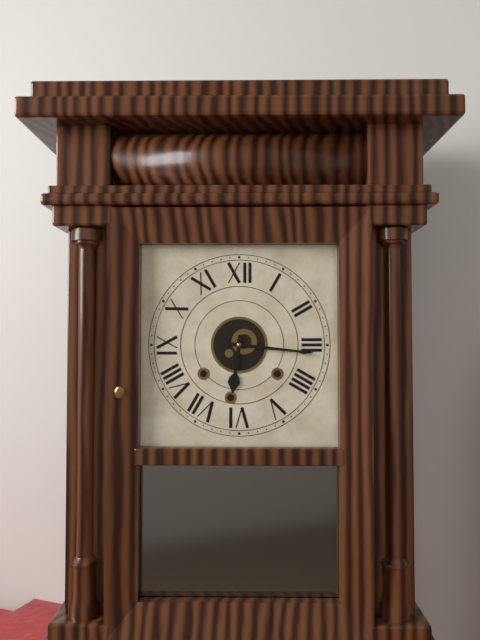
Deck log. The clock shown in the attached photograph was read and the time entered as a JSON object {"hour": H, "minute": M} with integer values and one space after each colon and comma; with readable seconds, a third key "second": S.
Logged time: {"hour": 6, "minute": 16}
